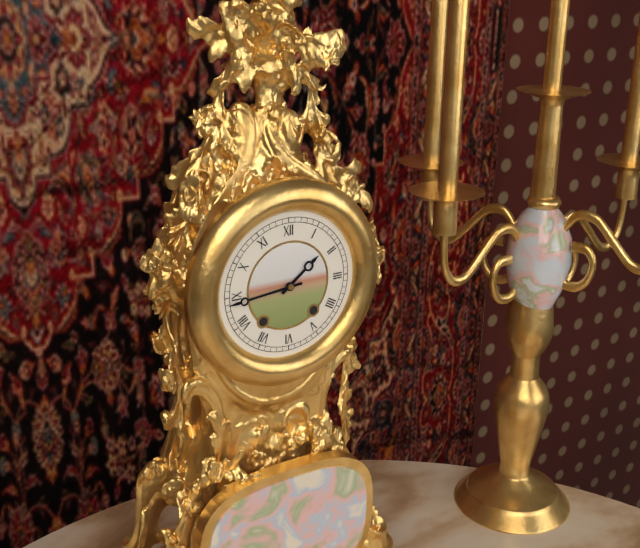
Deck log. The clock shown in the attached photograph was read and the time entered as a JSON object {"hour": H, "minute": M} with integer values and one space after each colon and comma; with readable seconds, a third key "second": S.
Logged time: {"hour": 1, "minute": 44}
